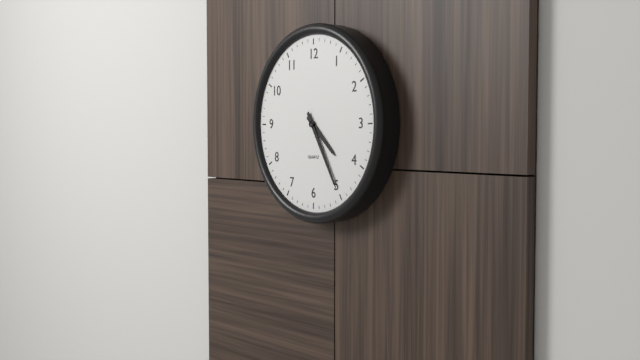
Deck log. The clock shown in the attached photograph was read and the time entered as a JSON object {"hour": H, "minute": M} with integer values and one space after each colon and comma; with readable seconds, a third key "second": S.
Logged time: {"hour": 4, "minute": 25}
